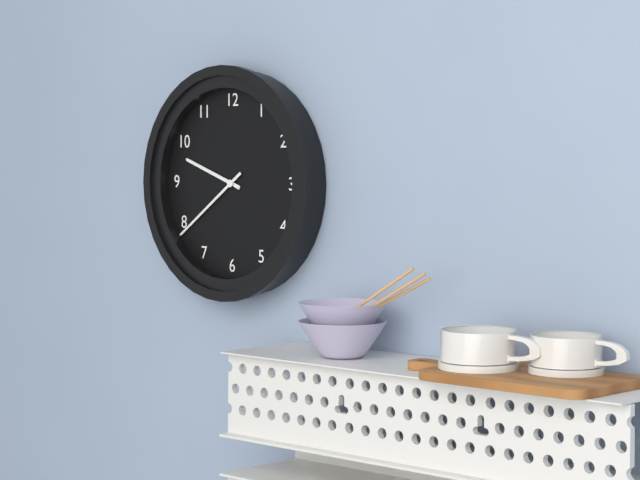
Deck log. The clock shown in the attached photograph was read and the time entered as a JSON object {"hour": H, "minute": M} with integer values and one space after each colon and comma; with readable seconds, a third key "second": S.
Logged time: {"hour": 9, "minute": 39}
